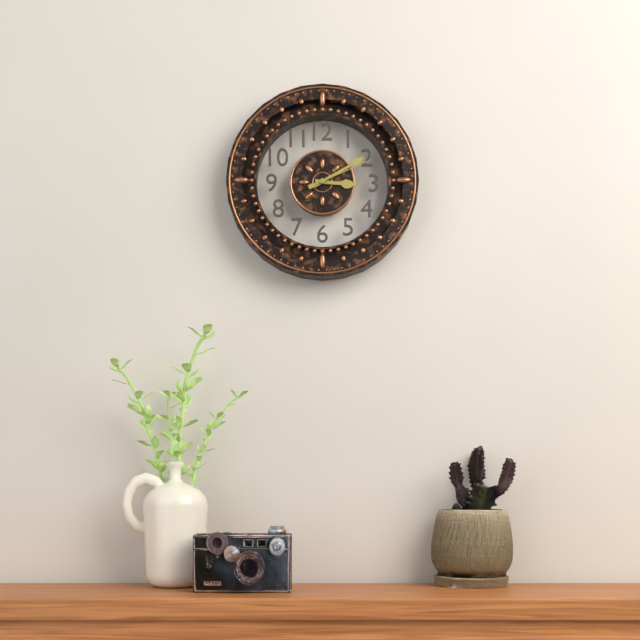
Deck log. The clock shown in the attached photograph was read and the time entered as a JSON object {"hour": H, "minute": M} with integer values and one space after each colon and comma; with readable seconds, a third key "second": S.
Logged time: {"hour": 3, "minute": 10, "second": 11}
